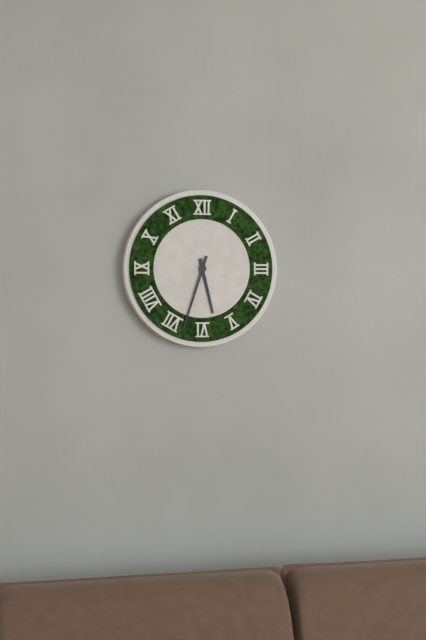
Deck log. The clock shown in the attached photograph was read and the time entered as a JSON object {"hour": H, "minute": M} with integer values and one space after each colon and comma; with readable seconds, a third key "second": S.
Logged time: {"hour": 5, "minute": 33}
